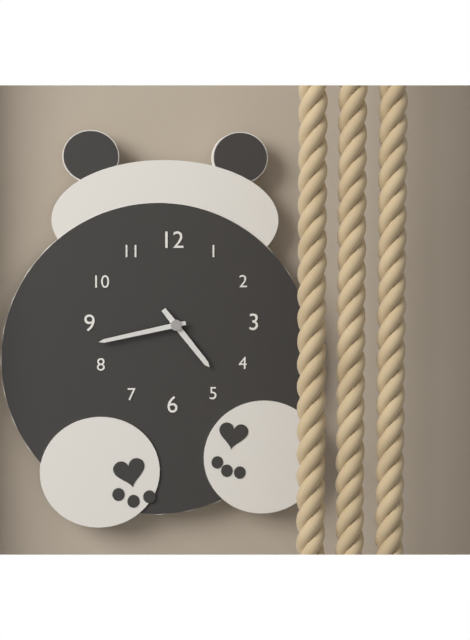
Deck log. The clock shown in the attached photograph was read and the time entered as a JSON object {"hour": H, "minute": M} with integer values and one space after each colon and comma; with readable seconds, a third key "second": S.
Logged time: {"hour": 4, "minute": 43}
